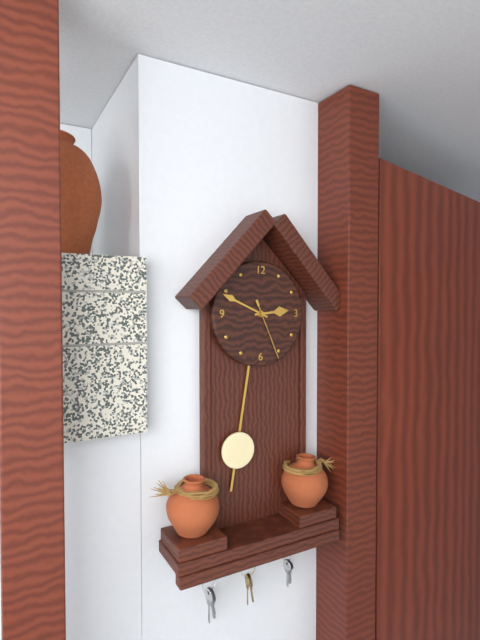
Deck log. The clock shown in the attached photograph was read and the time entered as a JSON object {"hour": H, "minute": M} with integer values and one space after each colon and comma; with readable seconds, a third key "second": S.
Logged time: {"hour": 2, "minute": 49, "second": 26}
